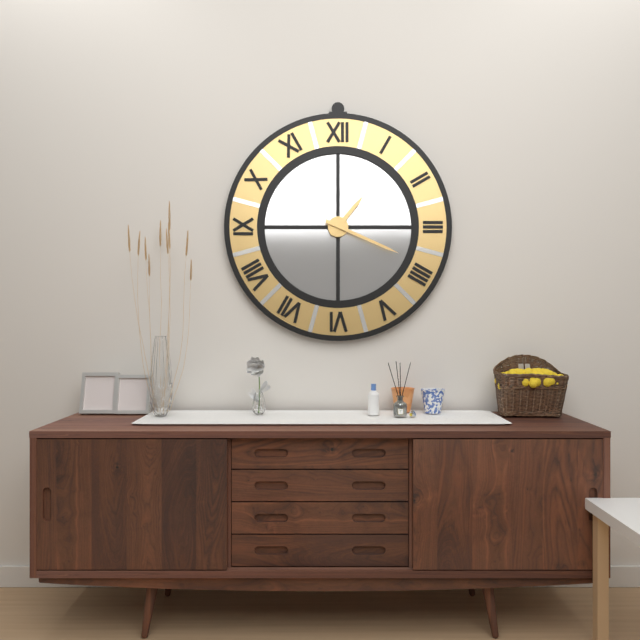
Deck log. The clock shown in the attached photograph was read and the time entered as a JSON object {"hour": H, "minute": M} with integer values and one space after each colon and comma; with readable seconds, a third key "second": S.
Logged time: {"hour": 1, "minute": 19}
